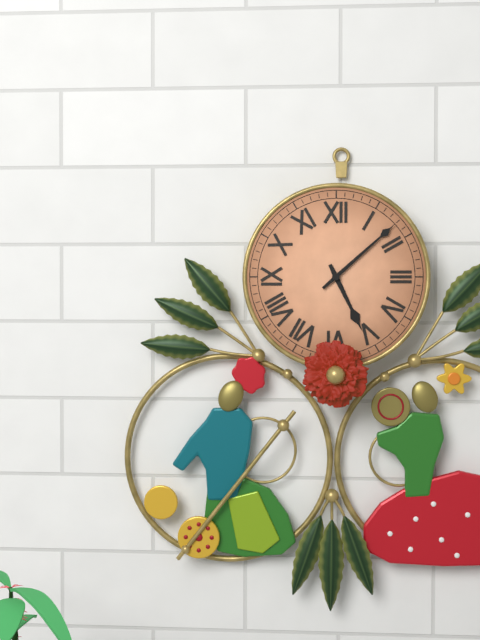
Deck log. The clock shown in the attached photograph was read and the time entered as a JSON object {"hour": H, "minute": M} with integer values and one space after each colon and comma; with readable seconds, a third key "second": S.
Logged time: {"hour": 5, "minute": 8}
